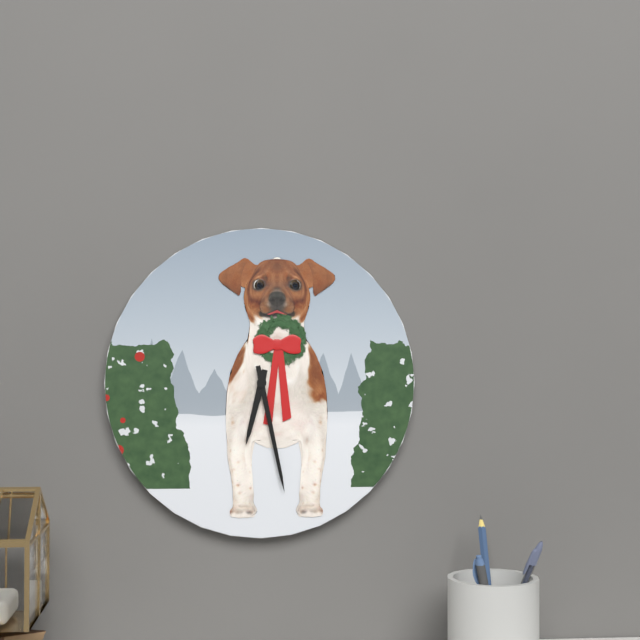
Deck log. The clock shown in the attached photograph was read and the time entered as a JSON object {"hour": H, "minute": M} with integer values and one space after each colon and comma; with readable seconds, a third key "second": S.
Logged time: {"hour": 6, "minute": 28}
